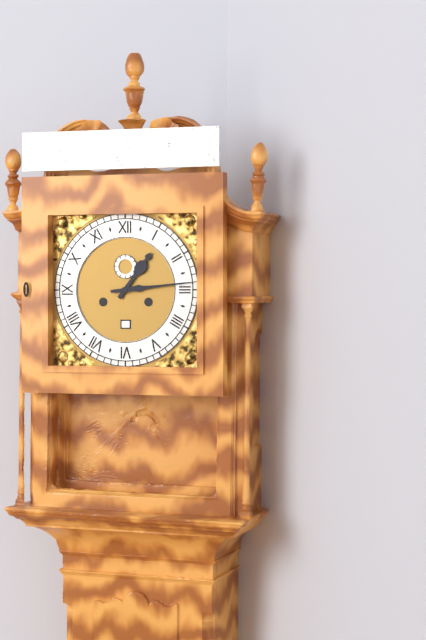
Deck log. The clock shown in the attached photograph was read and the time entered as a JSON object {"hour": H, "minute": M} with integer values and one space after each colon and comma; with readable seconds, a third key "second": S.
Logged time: {"hour": 1, "minute": 14}
